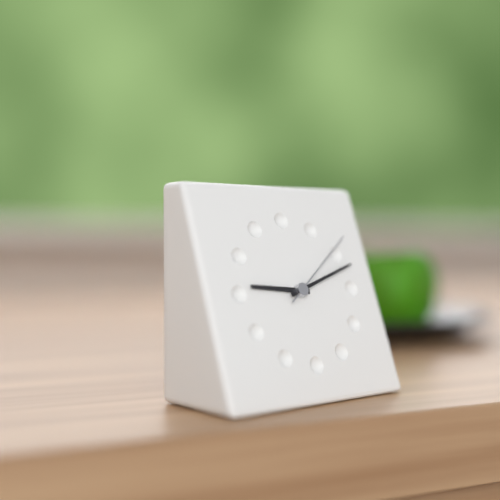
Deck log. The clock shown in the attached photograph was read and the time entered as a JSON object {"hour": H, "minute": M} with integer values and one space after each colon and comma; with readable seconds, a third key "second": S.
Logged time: {"hour": 9, "minute": 12, "second": 9}
